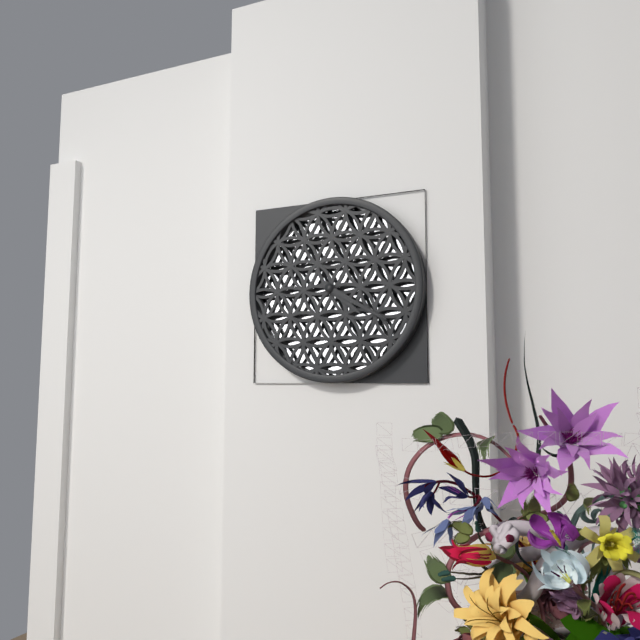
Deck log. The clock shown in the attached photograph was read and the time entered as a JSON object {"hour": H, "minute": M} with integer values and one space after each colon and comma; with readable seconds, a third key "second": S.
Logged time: {"hour": 4, "minute": 20}
